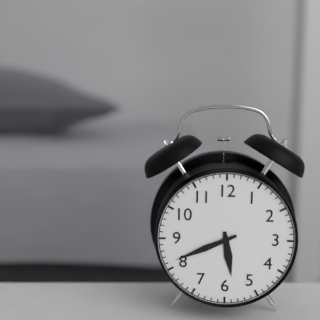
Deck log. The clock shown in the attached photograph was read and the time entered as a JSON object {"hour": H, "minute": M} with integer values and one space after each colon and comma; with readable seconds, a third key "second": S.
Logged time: {"hour": 5, "minute": 41}
